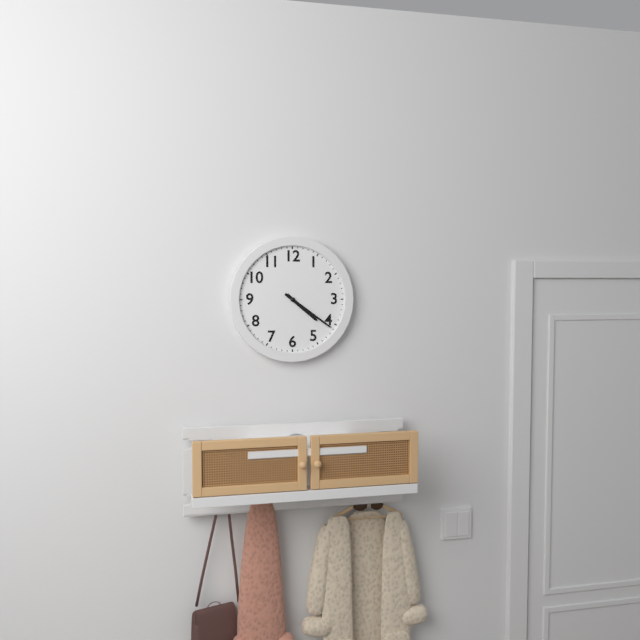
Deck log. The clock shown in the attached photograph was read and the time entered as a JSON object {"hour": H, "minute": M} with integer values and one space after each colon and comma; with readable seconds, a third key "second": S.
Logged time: {"hour": 4, "minute": 21}
